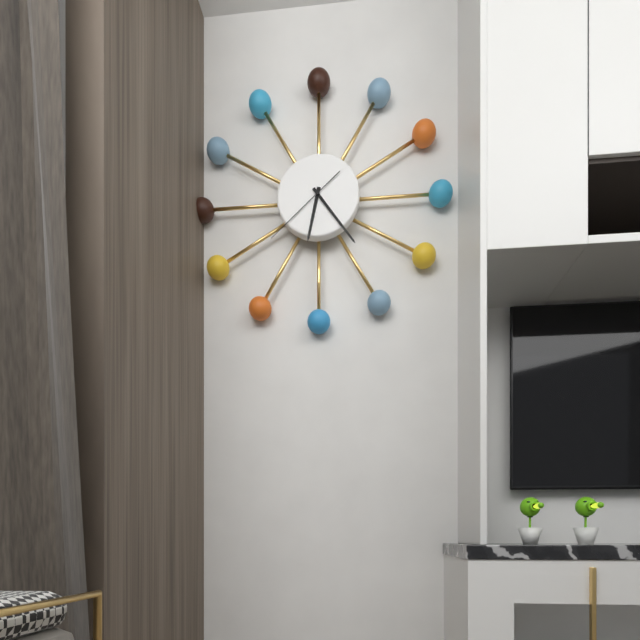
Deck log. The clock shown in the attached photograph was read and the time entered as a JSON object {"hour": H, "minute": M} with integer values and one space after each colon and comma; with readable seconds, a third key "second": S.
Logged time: {"hour": 6, "minute": 24, "second": 38}
